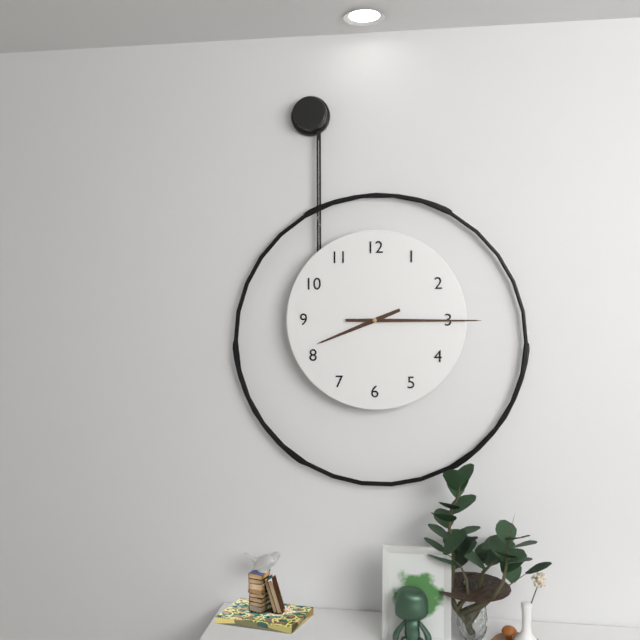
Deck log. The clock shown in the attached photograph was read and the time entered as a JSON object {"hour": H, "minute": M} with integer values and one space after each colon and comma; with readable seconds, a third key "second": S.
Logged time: {"hour": 8, "minute": 15}
